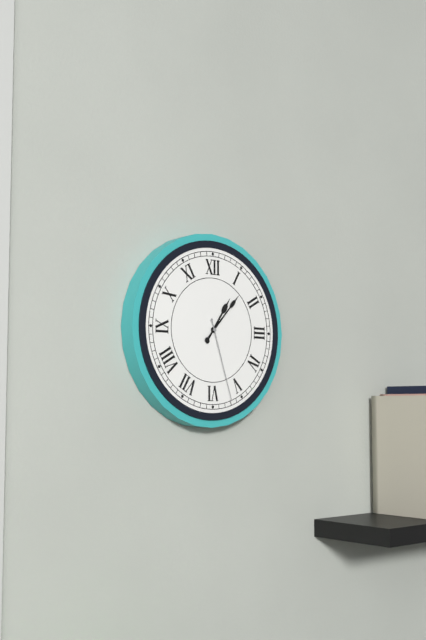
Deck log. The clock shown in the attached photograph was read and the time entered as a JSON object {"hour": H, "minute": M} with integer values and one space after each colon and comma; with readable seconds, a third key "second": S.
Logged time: {"hour": 1, "minute": 7, "second": 27}
